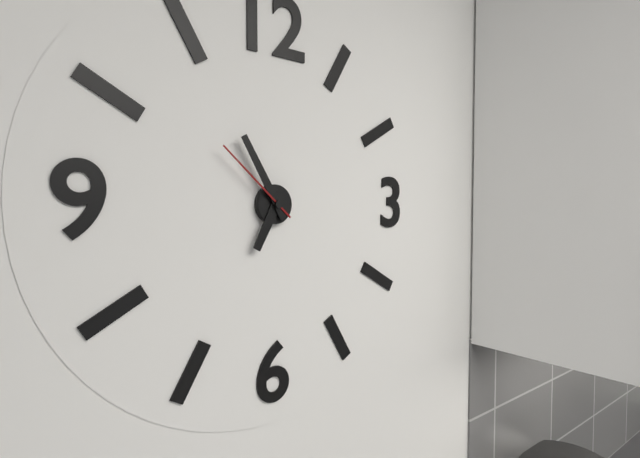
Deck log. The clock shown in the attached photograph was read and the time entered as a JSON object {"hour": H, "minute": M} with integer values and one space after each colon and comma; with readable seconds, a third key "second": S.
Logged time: {"hour": 6, "minute": 55, "second": 52}
